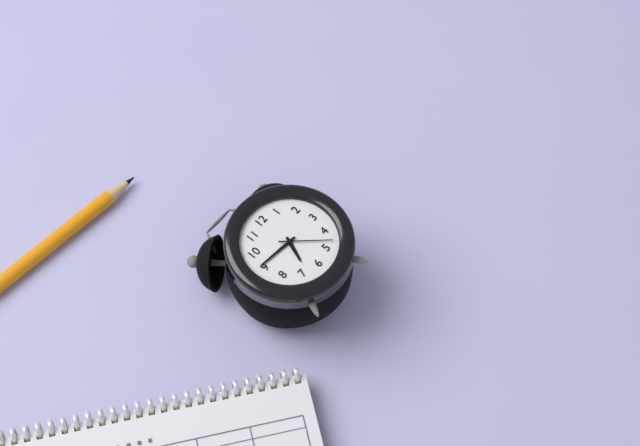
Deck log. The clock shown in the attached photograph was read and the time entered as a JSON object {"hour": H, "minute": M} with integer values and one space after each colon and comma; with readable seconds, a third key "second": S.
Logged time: {"hour": 6, "minute": 46, "second": 23}
